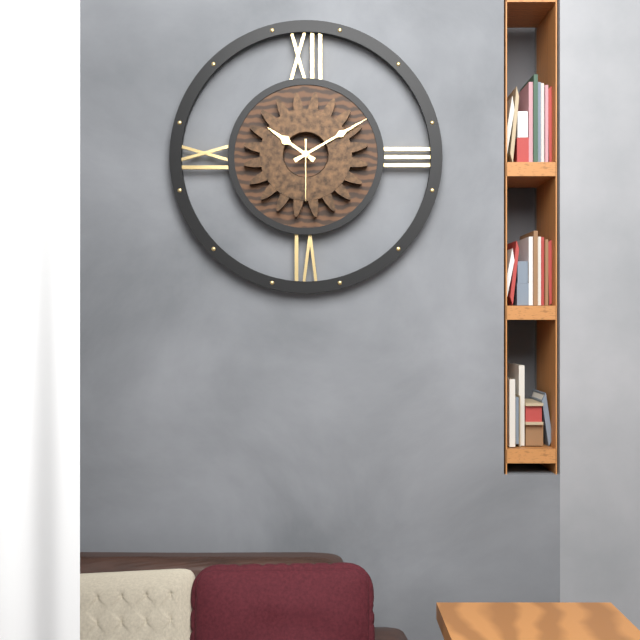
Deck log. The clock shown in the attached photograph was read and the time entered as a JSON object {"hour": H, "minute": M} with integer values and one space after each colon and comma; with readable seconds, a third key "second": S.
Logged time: {"hour": 10, "minute": 10, "second": 30}
